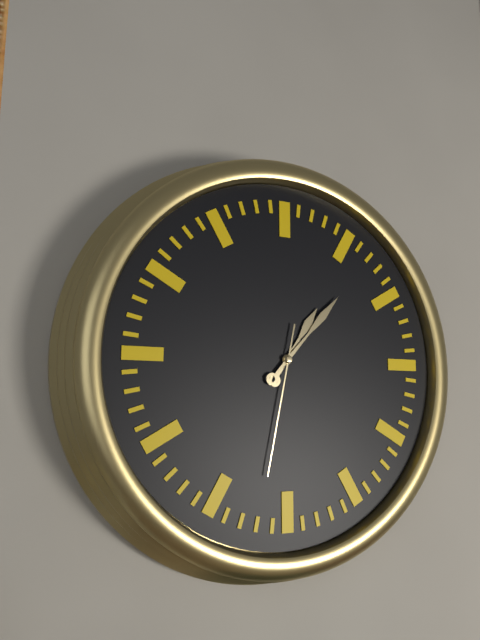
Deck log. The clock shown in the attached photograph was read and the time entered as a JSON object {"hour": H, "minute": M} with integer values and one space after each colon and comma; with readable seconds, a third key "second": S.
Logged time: {"hour": 1, "minute": 7, "second": 32}
